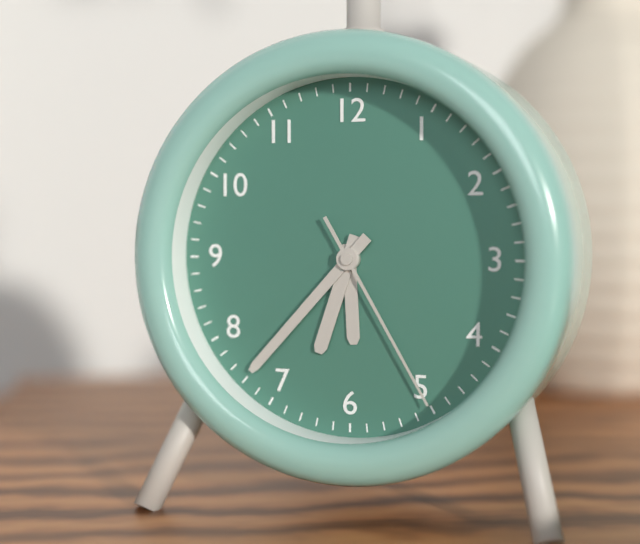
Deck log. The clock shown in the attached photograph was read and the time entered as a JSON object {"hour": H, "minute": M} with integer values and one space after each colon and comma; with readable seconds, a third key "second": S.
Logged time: {"hour": 6, "minute": 37, "second": 25}
